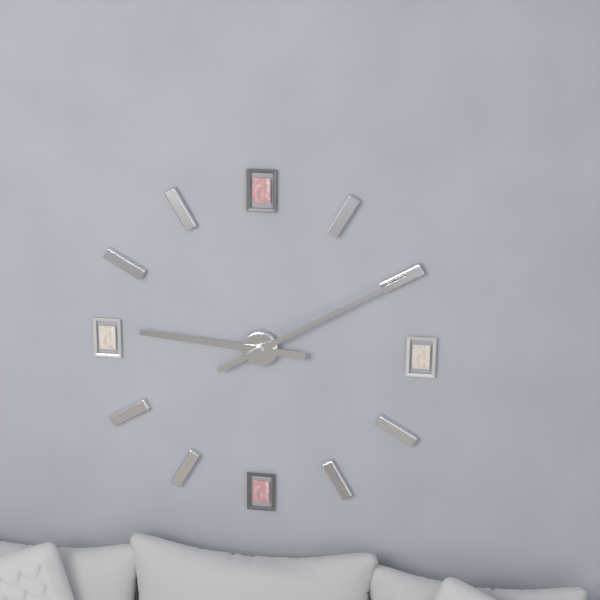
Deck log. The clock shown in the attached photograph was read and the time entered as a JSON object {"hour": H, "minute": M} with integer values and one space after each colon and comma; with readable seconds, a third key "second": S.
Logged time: {"hour": 9, "minute": 10}
